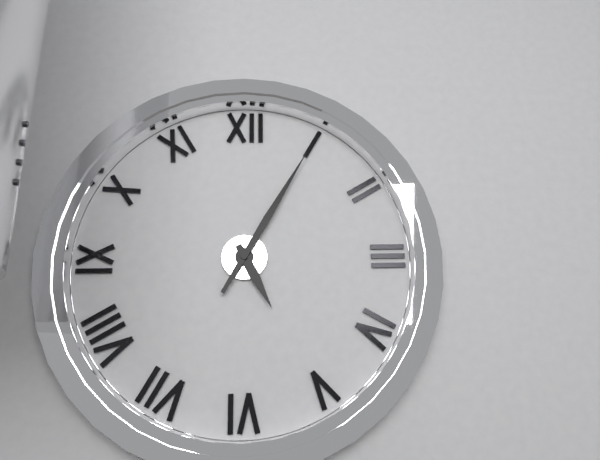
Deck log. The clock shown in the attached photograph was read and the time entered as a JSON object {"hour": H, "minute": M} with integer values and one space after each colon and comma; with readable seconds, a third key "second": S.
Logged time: {"hour": 5, "minute": 5}
